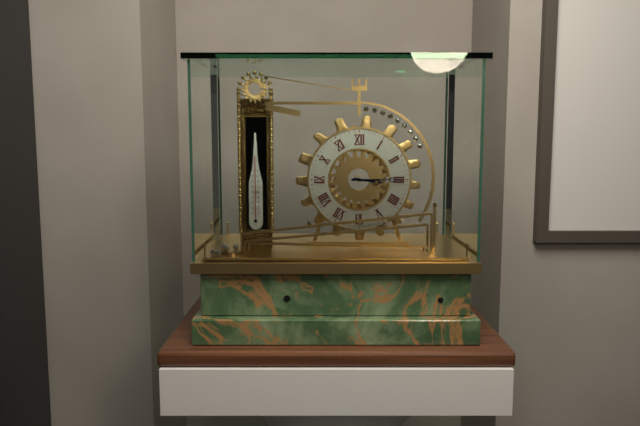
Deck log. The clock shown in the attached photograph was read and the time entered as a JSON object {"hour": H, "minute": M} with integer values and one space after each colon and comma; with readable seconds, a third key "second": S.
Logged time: {"hour": 3, "minute": 15}
